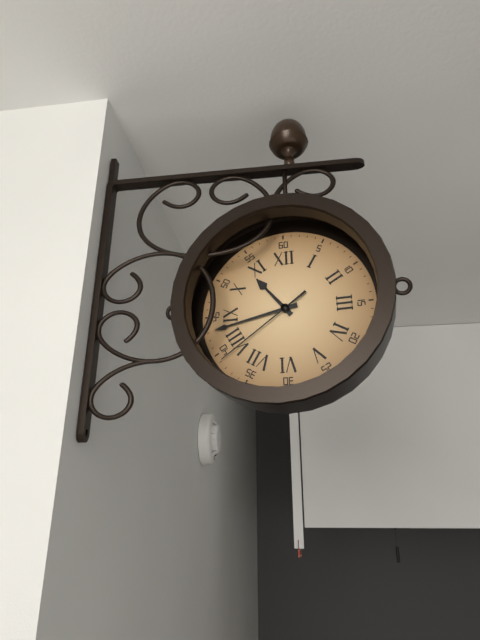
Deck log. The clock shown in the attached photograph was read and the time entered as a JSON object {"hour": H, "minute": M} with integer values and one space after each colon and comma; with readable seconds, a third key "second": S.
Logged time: {"hour": 10, "minute": 43, "second": 39}
